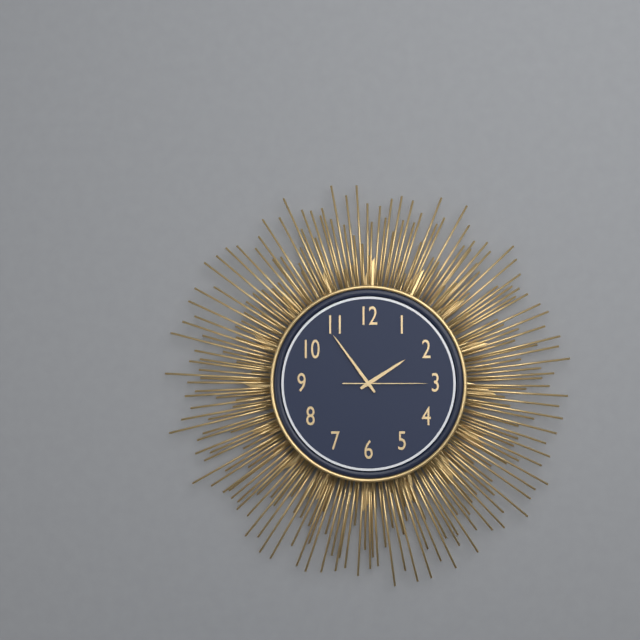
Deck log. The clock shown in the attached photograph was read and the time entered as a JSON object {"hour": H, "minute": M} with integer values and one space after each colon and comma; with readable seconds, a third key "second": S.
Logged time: {"hour": 1, "minute": 54, "second": 15}
